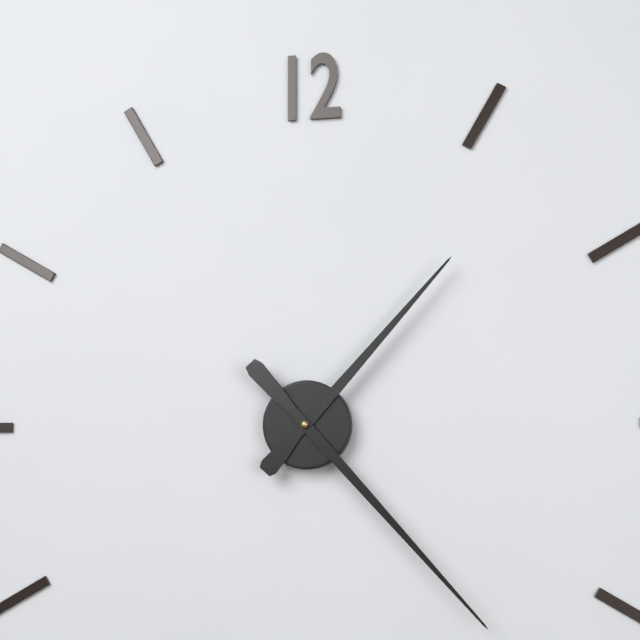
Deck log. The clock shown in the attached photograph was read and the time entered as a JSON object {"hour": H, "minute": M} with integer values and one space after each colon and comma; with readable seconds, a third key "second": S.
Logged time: {"hour": 1, "minute": 23}
